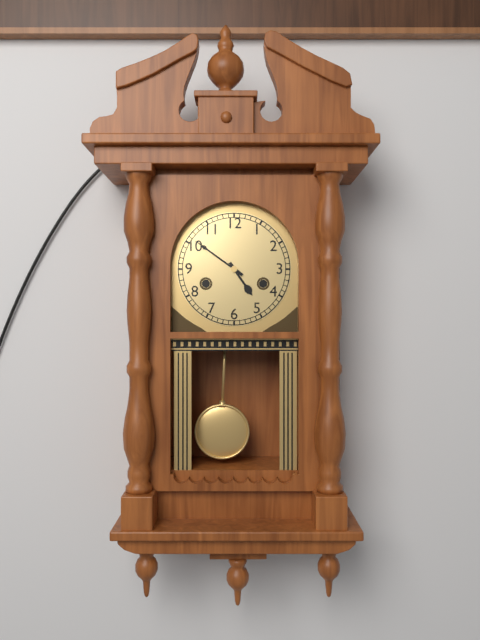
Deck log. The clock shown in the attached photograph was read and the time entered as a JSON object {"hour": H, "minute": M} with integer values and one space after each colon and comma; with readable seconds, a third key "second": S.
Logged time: {"hour": 4, "minute": 51}
